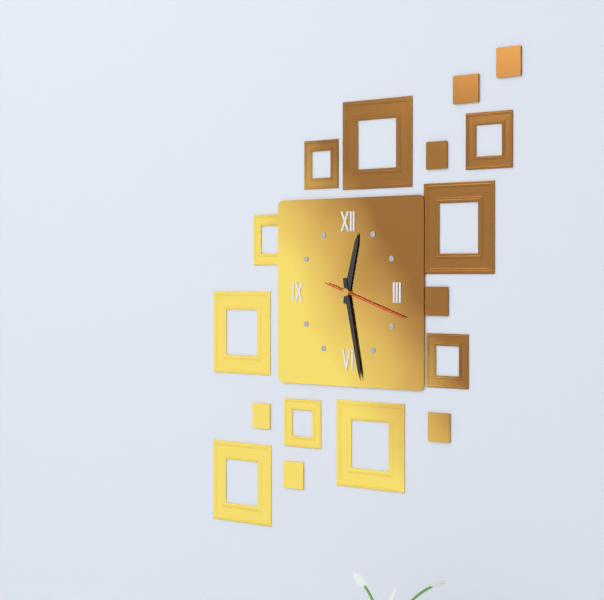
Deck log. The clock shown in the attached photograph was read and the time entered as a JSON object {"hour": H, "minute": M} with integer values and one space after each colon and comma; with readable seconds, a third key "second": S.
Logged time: {"hour": 12, "minute": 28, "second": 18}
